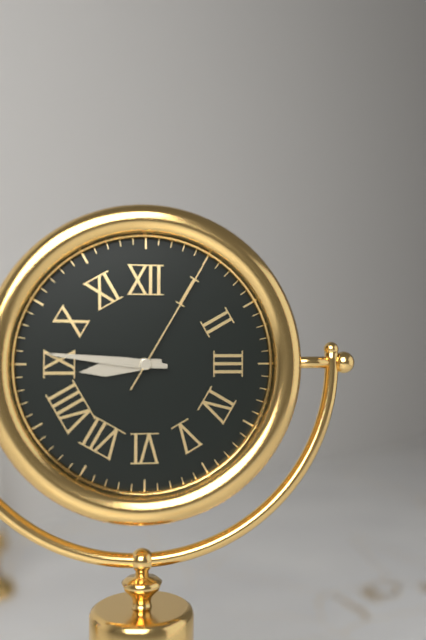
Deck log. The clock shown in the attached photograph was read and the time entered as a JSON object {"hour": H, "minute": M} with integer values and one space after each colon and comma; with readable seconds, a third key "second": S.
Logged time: {"hour": 8, "minute": 46, "second": 5}
